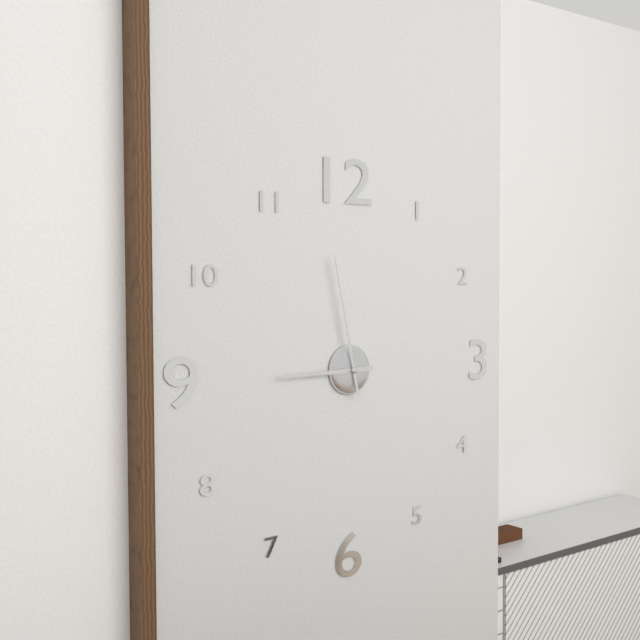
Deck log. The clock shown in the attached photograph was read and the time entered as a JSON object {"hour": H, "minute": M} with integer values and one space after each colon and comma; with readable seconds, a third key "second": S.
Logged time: {"hour": 8, "minute": 58}
